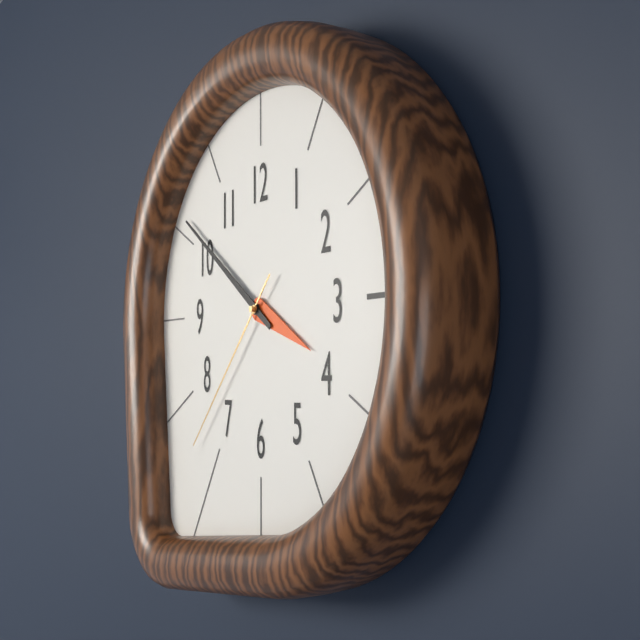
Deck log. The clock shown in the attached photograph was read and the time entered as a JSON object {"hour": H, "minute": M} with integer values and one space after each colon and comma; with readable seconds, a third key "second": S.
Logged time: {"hour": 3, "minute": 51, "second": 37}
